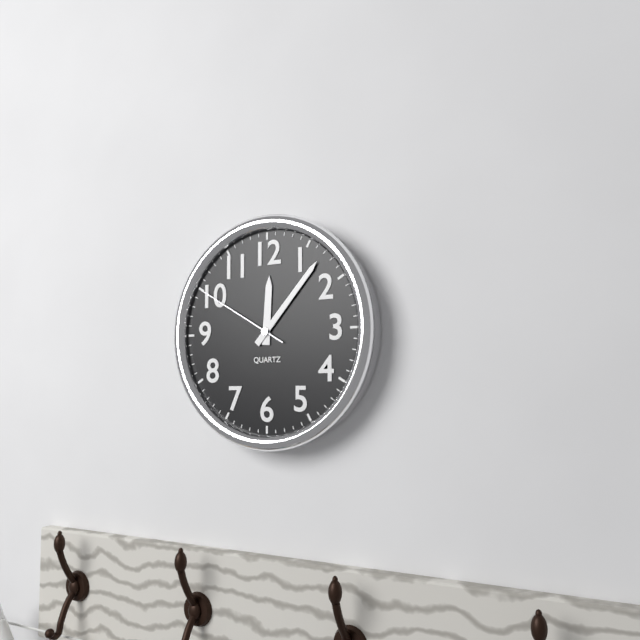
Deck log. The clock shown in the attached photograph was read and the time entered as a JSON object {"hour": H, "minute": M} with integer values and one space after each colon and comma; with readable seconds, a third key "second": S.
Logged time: {"hour": 12, "minute": 7, "second": 50}
